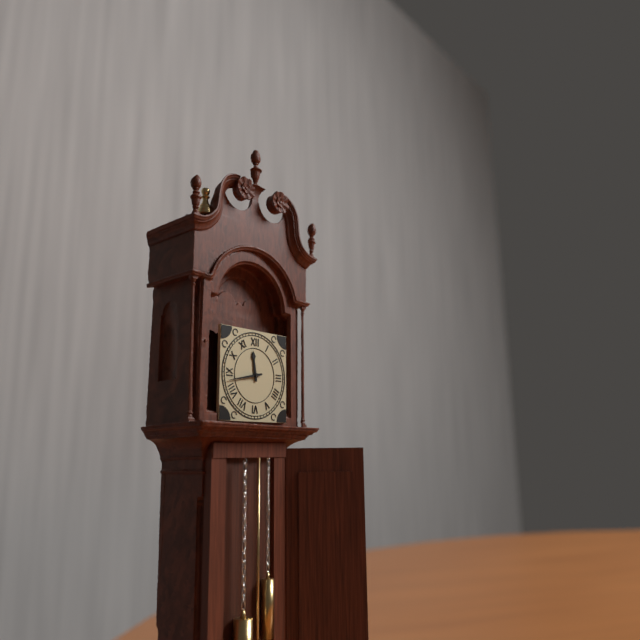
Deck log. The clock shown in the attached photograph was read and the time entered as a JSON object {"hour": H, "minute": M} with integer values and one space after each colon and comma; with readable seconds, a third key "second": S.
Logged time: {"hour": 11, "minute": 43}
